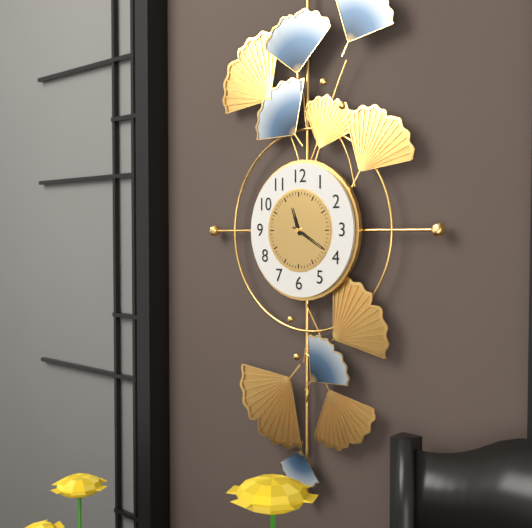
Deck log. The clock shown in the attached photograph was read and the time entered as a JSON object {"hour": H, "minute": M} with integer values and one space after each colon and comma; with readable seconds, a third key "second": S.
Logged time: {"hour": 11, "minute": 20}
